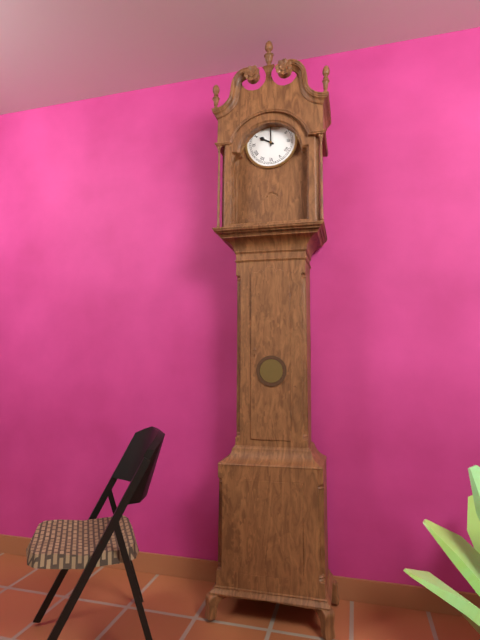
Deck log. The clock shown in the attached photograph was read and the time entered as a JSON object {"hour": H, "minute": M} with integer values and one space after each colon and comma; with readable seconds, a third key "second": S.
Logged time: {"hour": 10, "minute": 0}
